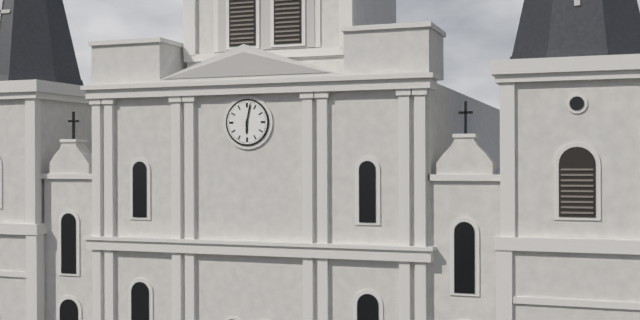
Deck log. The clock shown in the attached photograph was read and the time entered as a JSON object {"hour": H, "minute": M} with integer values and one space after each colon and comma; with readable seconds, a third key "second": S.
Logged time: {"hour": 6, "minute": 2}
